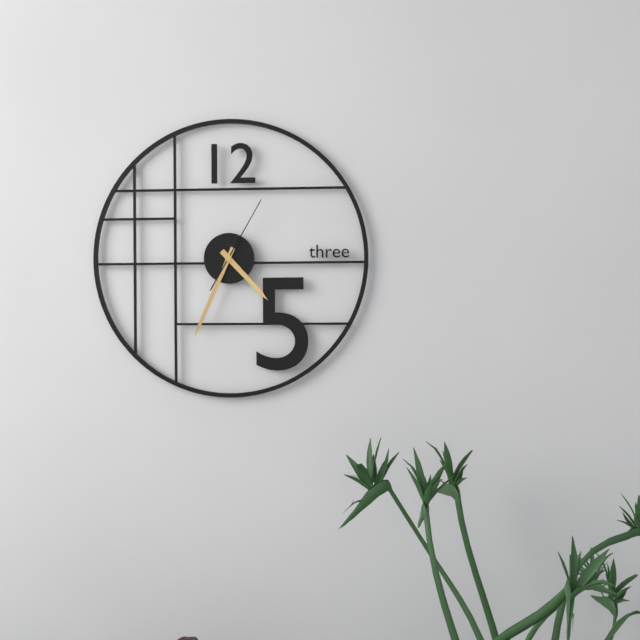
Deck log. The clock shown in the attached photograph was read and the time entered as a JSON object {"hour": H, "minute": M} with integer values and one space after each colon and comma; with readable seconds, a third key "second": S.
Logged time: {"hour": 4, "minute": 34, "second": 5}
